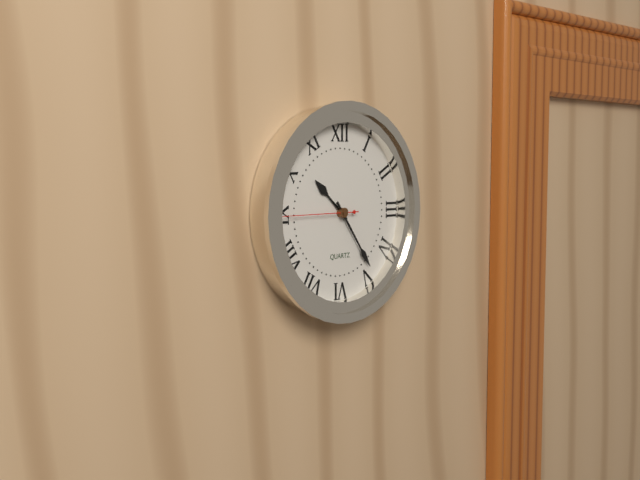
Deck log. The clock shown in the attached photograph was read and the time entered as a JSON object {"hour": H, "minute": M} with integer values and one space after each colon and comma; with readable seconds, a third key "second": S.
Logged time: {"hour": 10, "minute": 24, "second": 45}
